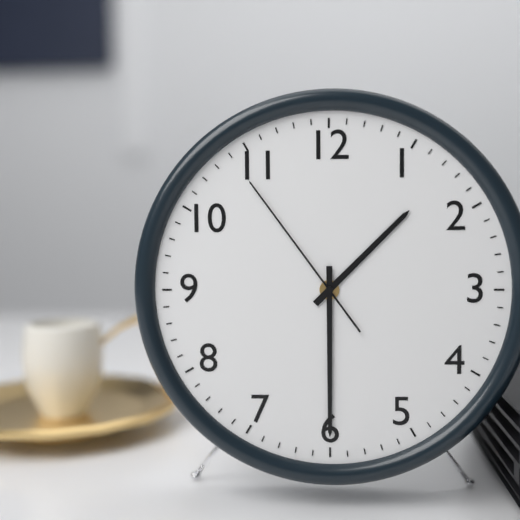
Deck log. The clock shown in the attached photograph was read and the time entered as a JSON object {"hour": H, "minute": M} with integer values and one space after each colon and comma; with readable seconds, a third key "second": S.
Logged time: {"hour": 1, "minute": 30, "second": 54}
